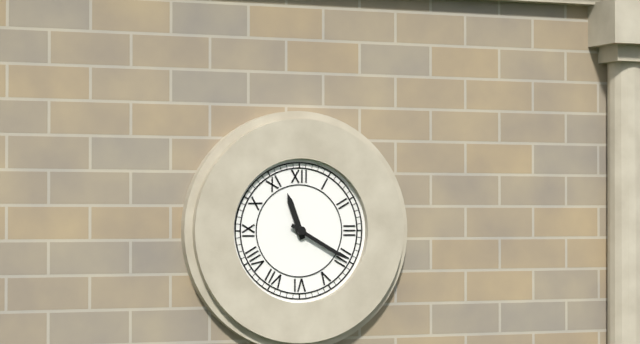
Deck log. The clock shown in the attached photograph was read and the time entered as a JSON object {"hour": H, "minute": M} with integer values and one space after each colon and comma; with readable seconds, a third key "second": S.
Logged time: {"hour": 11, "minute": 20}
